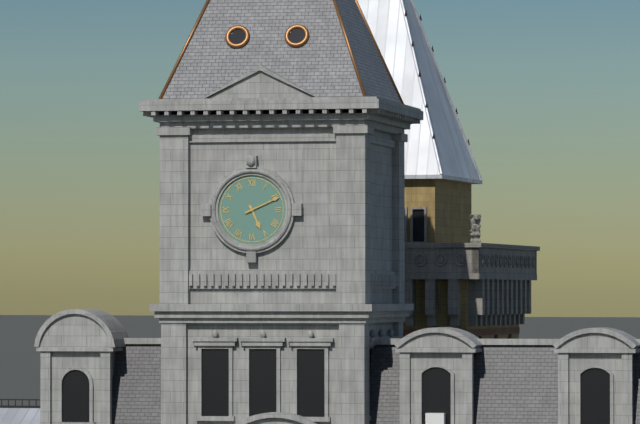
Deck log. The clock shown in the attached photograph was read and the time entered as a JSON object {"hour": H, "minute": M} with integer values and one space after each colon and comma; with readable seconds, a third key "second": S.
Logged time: {"hour": 5, "minute": 11}
